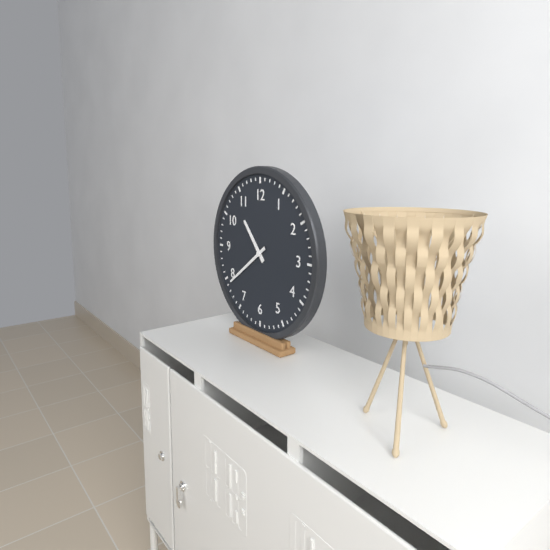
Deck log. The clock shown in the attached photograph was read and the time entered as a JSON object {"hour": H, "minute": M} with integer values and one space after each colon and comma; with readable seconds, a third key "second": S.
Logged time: {"hour": 10, "minute": 39}
